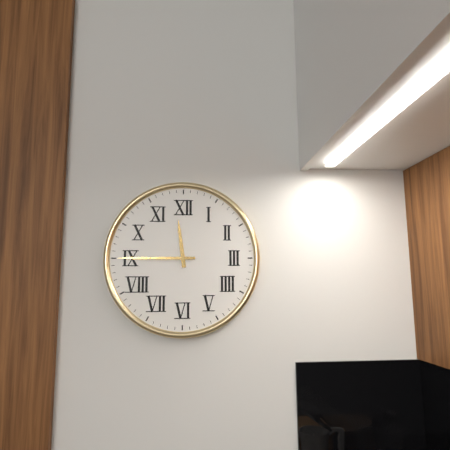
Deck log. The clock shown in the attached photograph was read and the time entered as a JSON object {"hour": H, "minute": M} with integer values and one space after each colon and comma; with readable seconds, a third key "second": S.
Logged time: {"hour": 11, "minute": 45}
